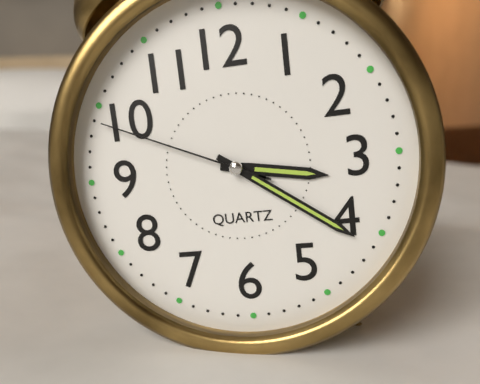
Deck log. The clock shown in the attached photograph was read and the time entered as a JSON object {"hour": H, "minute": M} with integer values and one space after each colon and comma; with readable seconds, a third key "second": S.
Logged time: {"hour": 3, "minute": 21, "second": 49}
